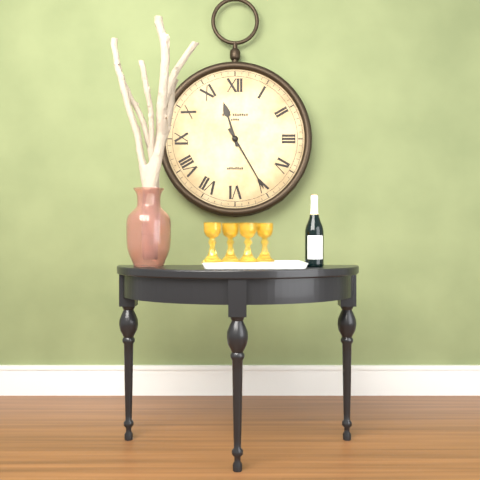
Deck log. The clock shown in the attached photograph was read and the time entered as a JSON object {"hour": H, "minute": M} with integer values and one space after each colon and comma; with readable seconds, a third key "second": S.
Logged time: {"hour": 11, "minute": 25}
